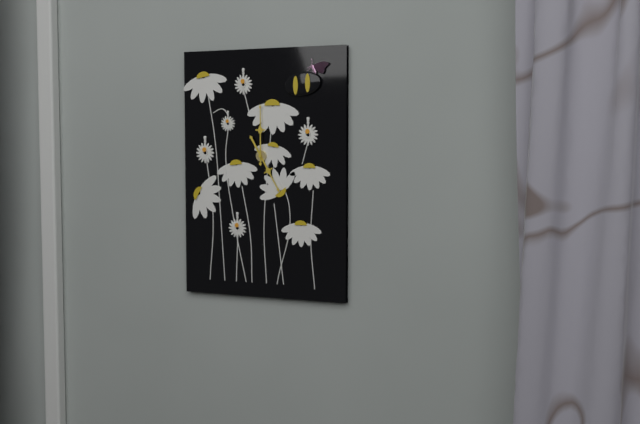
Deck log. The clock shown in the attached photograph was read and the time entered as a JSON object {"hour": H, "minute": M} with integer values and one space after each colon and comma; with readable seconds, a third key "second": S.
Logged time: {"hour": 5, "minute": 0}
